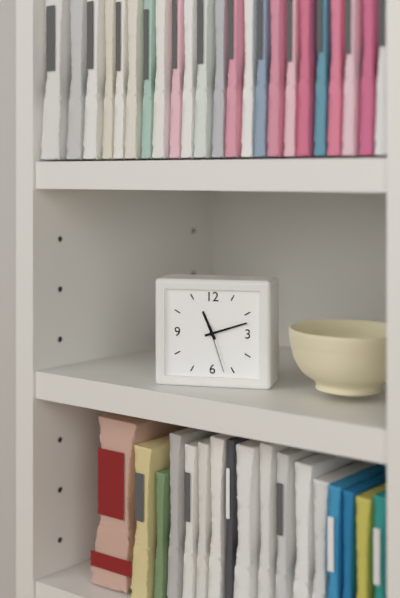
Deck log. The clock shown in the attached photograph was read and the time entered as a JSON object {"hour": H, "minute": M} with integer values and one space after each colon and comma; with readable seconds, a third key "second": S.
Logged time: {"hour": 11, "minute": 12, "second": 27}
